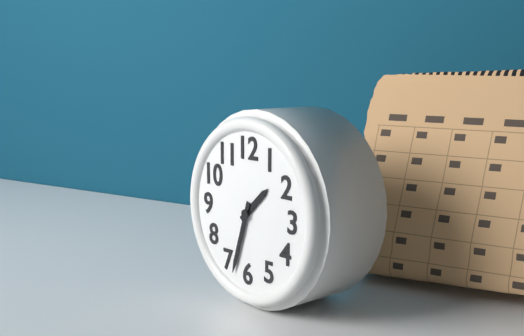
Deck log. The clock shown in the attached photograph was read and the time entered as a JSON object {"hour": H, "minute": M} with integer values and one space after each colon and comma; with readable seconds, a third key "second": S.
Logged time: {"hour": 1, "minute": 33}
